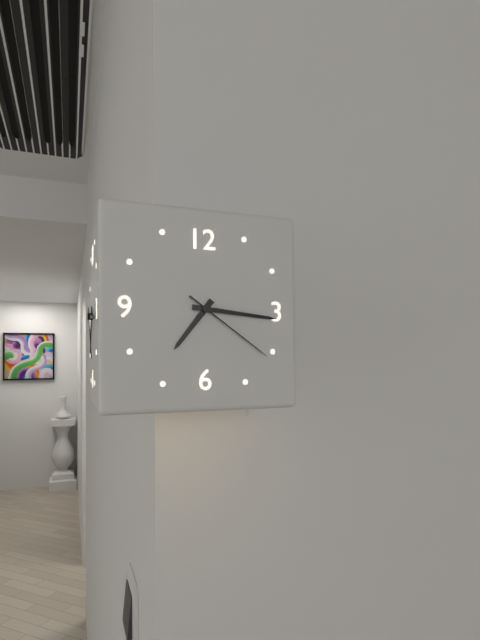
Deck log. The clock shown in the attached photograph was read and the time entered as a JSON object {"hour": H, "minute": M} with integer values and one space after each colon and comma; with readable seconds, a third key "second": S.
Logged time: {"hour": 7, "minute": 16, "second": 21}
